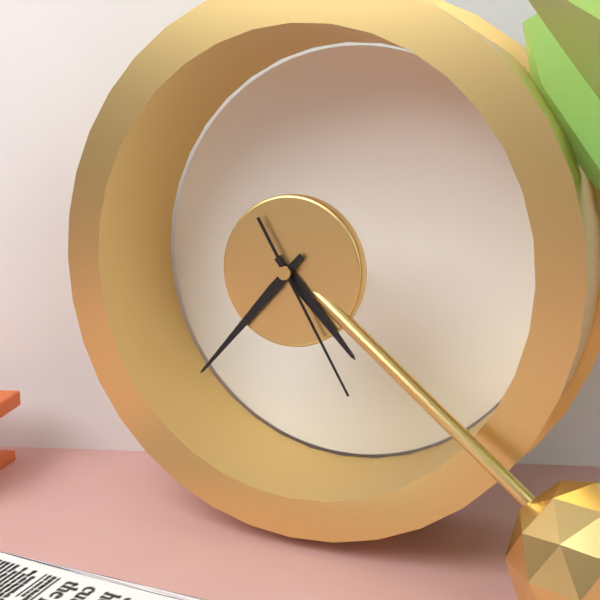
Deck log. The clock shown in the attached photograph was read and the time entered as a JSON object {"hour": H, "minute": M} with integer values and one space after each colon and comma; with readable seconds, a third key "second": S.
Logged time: {"hour": 4, "minute": 37, "second": 25}
